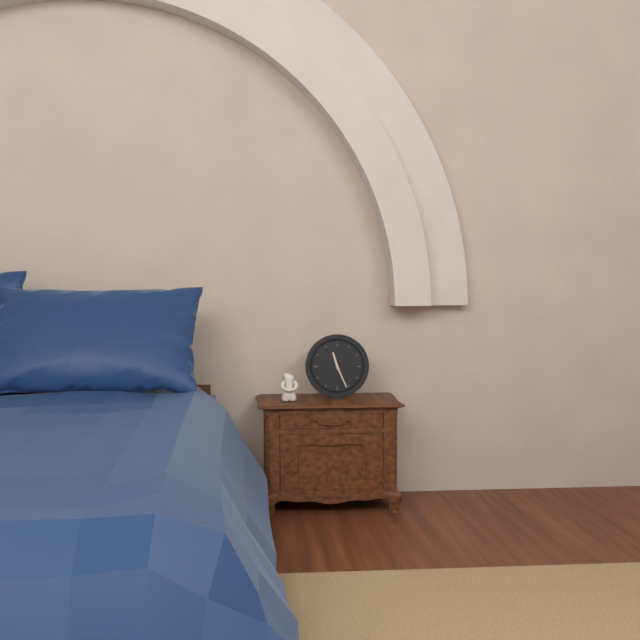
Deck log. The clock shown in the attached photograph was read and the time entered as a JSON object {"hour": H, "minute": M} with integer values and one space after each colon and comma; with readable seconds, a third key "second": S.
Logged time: {"hour": 11, "minute": 26}
